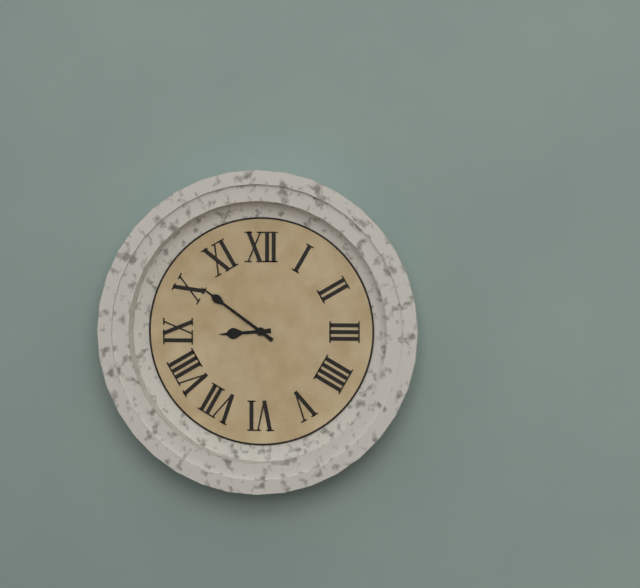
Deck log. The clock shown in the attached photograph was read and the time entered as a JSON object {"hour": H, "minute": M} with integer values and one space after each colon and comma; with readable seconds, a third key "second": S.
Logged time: {"hour": 8, "minute": 51}
